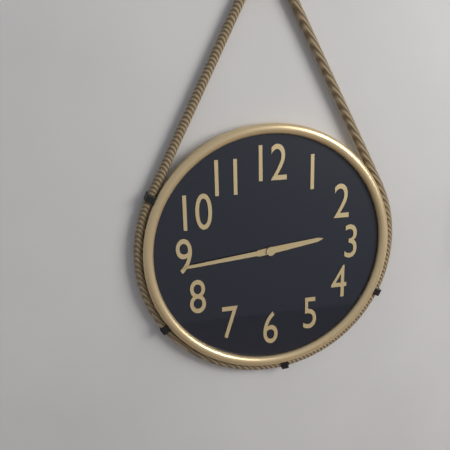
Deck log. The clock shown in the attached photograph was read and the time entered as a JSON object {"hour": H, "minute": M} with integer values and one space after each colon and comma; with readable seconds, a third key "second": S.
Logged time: {"hour": 2, "minute": 44}
